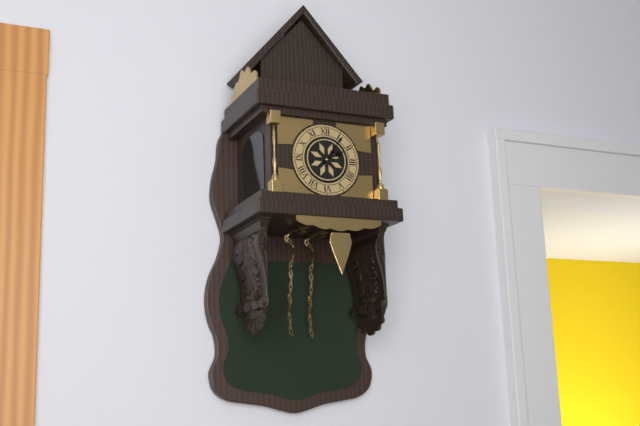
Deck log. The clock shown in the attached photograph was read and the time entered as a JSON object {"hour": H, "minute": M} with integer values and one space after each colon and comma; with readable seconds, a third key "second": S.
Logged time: {"hour": 2, "minute": 6}
